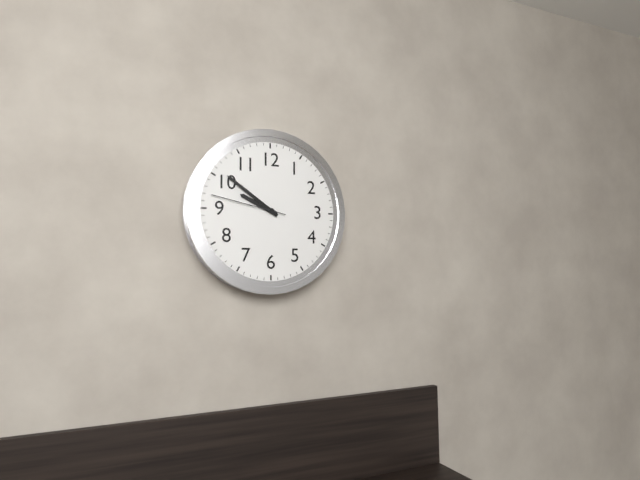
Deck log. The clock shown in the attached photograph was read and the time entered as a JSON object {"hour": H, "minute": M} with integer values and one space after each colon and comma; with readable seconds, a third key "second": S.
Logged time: {"hour": 9, "minute": 51, "second": 47}
